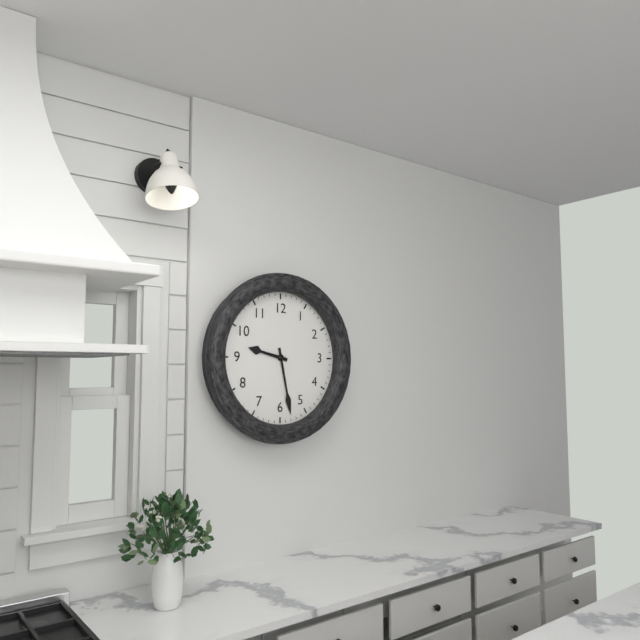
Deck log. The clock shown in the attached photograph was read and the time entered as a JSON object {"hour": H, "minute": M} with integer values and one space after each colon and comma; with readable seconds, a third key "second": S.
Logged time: {"hour": 9, "minute": 28}
